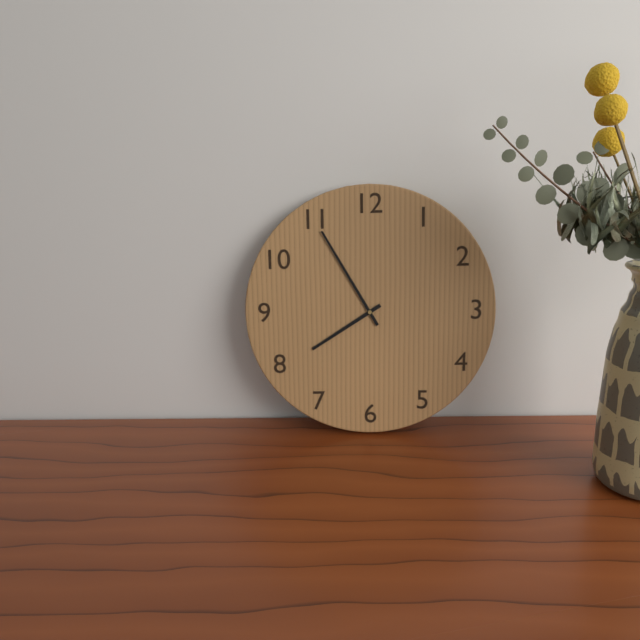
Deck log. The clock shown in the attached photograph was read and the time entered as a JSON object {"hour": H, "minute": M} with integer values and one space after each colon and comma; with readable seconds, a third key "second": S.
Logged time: {"hour": 7, "minute": 55}
